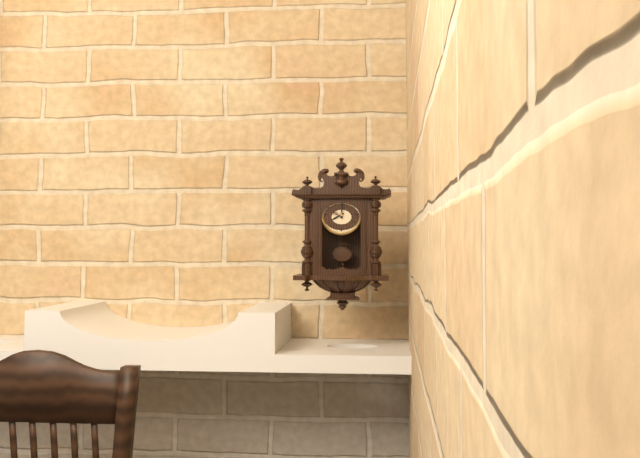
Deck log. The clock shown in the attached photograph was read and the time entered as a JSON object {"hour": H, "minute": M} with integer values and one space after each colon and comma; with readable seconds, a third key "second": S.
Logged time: {"hour": 8, "minute": 1}
